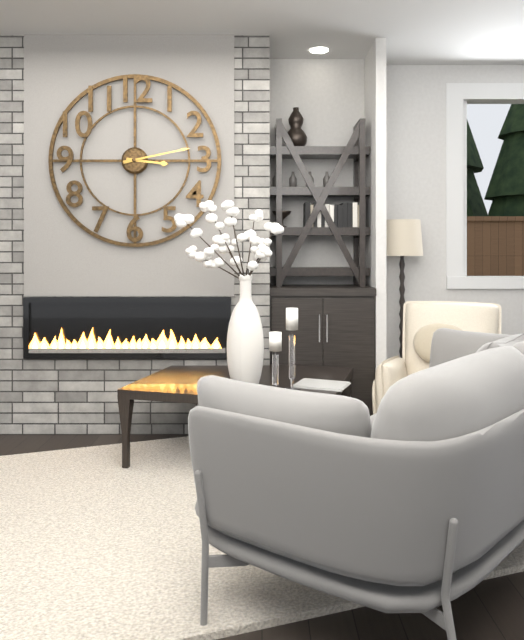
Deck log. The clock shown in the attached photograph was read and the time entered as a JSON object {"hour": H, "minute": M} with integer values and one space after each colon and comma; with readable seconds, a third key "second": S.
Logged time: {"hour": 3, "minute": 13}
